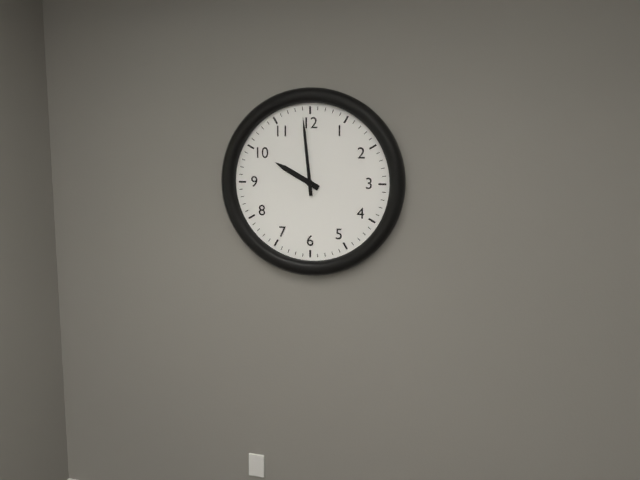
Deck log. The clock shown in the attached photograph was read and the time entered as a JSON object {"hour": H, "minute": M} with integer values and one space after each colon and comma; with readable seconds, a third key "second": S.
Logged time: {"hour": 9, "minute": 59}
